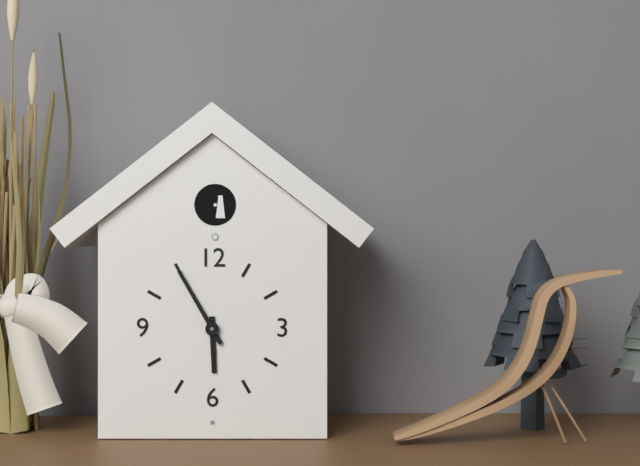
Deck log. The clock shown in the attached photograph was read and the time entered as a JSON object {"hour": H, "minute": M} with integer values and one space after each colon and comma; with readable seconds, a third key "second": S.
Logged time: {"hour": 5, "minute": 55}
